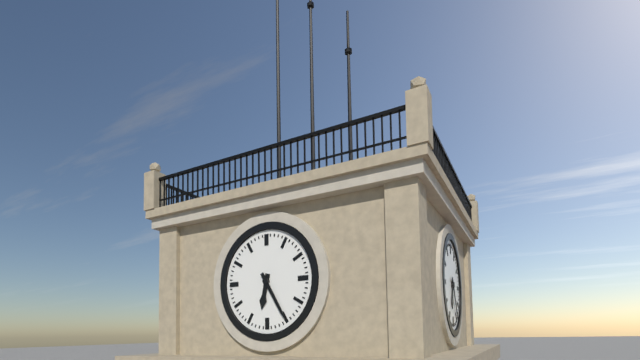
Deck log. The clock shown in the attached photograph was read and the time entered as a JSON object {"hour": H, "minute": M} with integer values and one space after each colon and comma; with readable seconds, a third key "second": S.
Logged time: {"hour": 6, "minute": 25}
